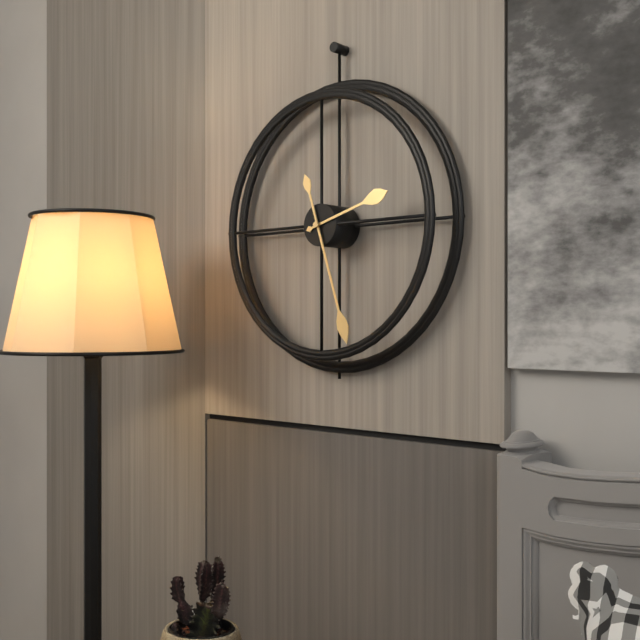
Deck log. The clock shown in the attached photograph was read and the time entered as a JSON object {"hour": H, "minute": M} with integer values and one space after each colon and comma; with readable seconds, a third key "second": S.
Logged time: {"hour": 2, "minute": 27}
